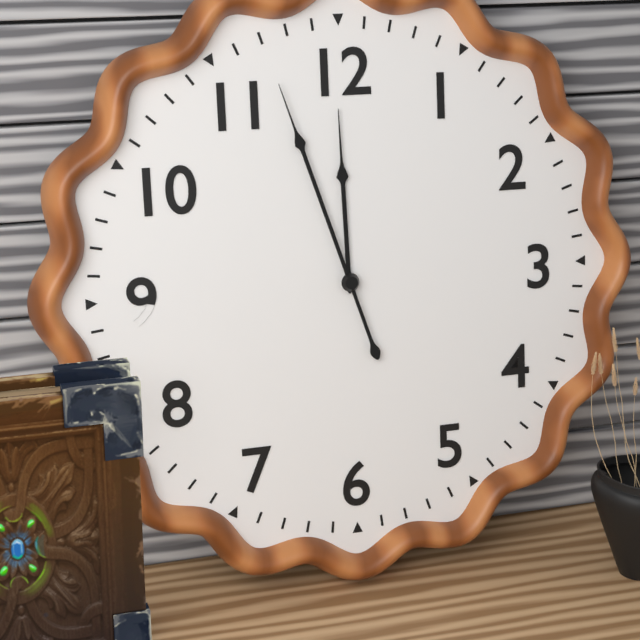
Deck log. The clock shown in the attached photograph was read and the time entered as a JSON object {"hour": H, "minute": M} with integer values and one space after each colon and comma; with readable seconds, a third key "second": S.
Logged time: {"hour": 11, "minute": 57}
